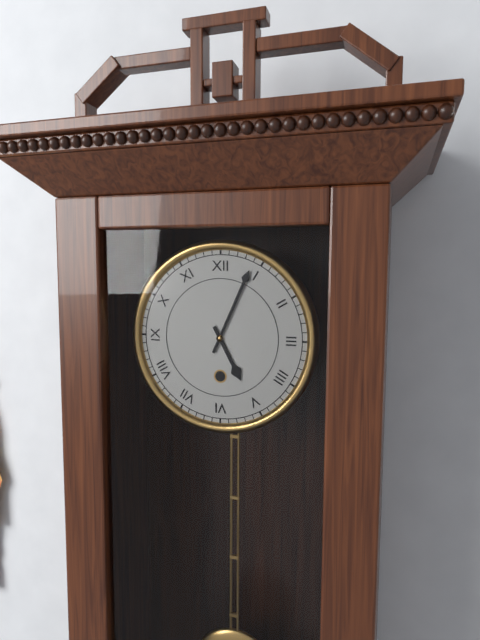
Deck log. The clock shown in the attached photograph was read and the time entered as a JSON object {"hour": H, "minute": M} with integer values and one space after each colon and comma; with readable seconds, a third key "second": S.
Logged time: {"hour": 5, "minute": 4}
